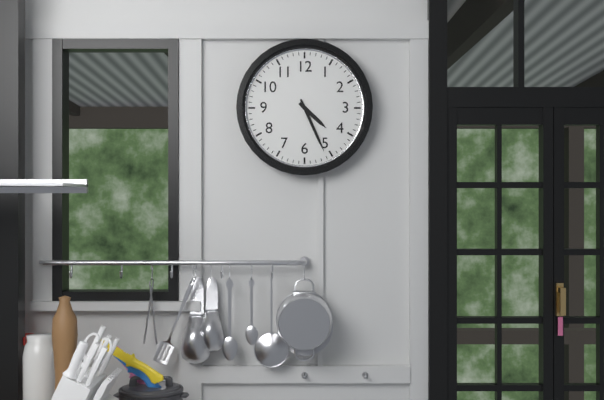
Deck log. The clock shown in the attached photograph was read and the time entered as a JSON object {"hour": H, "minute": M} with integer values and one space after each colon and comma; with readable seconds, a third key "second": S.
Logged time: {"hour": 4, "minute": 26}
